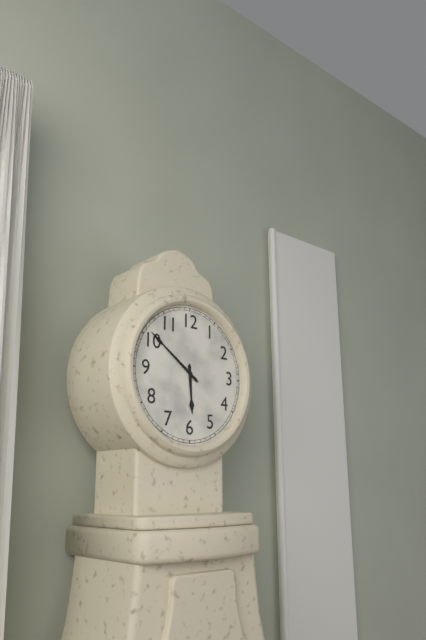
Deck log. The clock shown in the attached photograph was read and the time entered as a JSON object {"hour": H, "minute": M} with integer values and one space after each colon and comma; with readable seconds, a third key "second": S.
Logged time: {"hour": 5, "minute": 51}
